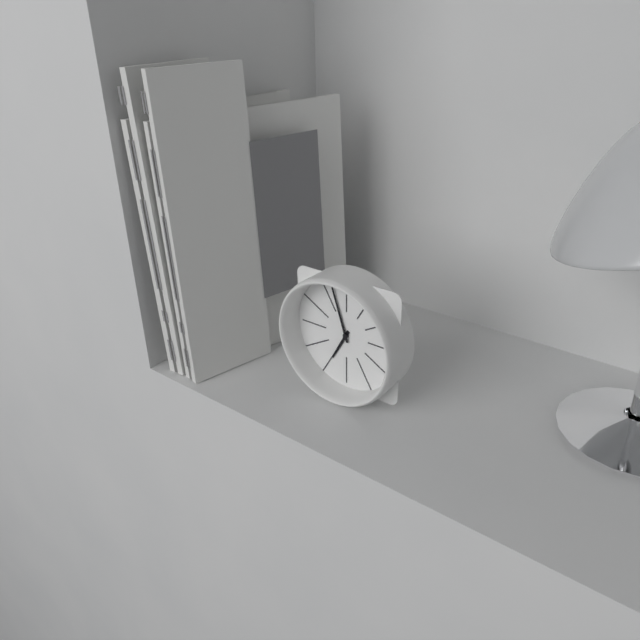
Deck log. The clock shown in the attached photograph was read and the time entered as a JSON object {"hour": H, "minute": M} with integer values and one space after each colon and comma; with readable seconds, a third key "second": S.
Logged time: {"hour": 6, "minute": 57}
